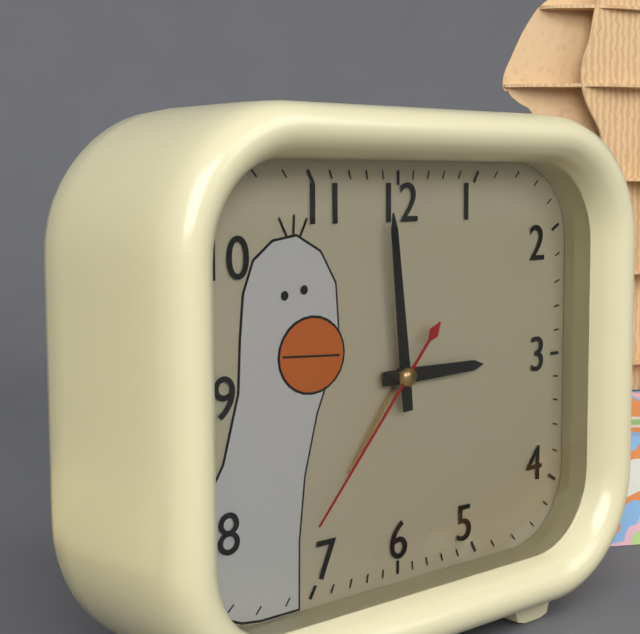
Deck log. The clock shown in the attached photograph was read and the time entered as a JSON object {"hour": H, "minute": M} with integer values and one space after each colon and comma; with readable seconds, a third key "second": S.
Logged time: {"hour": 2, "minute": 59, "second": 37}
